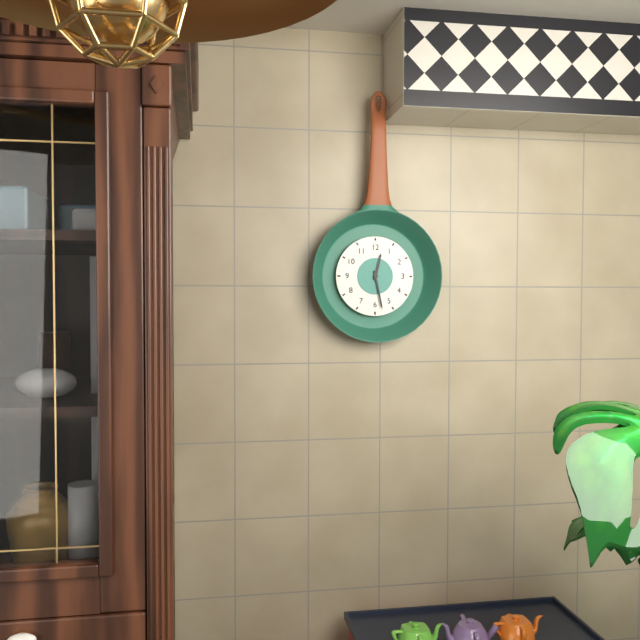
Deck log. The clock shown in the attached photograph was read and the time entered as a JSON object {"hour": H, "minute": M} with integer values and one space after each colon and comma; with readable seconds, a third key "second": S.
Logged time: {"hour": 12, "minute": 28}
